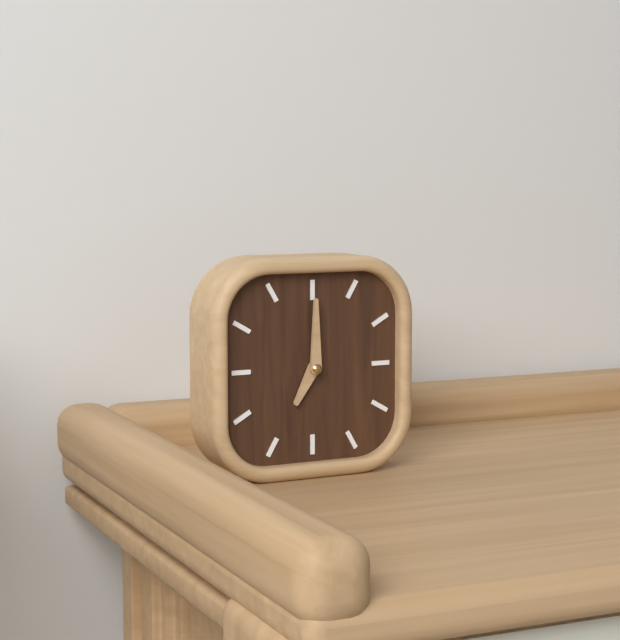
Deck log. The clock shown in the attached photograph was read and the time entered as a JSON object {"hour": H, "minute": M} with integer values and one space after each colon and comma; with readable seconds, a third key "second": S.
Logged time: {"hour": 7, "minute": 0}
